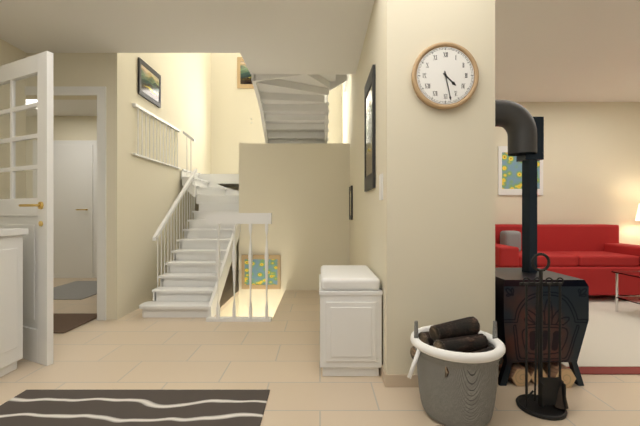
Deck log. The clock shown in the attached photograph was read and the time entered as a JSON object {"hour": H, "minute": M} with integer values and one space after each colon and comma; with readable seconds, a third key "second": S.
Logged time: {"hour": 4, "minute": 28}
